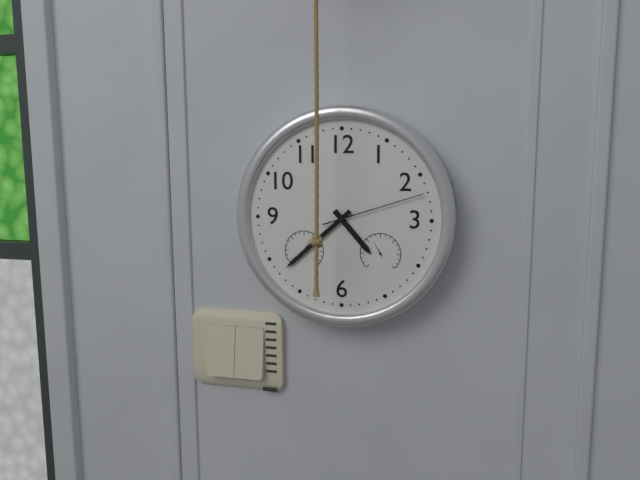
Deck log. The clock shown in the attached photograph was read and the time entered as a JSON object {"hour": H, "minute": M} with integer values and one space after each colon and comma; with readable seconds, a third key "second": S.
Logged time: {"hour": 4, "minute": 38, "second": 12}
